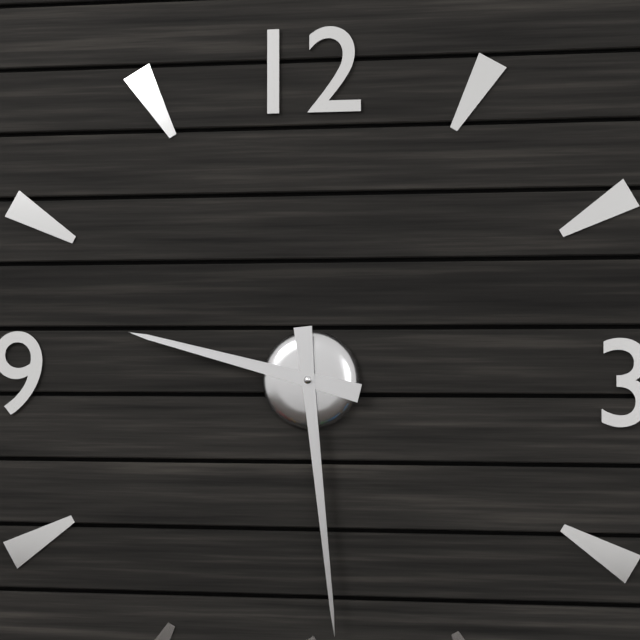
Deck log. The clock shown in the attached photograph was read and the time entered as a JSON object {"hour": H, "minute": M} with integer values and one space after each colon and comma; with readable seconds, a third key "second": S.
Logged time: {"hour": 9, "minute": 29}
